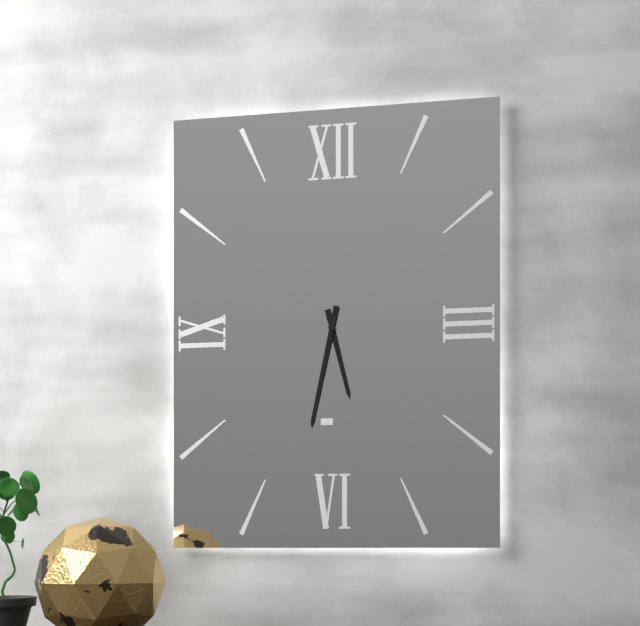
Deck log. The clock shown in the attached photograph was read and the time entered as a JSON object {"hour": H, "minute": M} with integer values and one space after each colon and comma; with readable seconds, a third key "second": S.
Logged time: {"hour": 5, "minute": 32}
